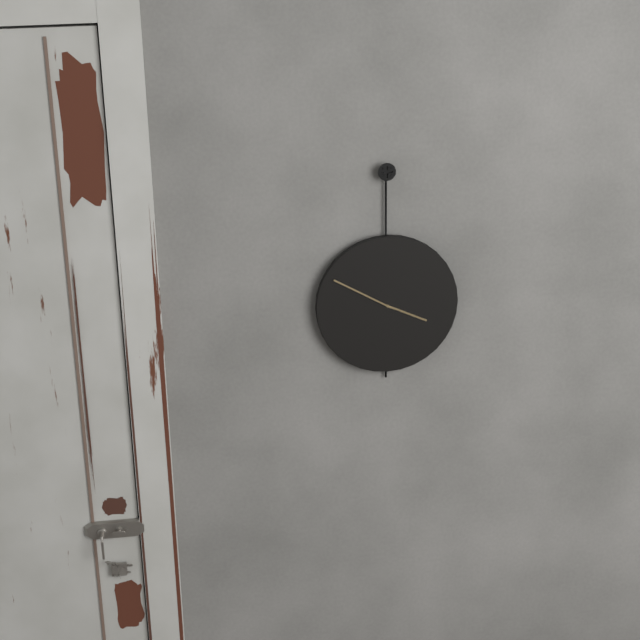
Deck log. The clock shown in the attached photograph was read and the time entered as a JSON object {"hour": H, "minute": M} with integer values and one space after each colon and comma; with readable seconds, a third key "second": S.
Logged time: {"hour": 3, "minute": 50}
